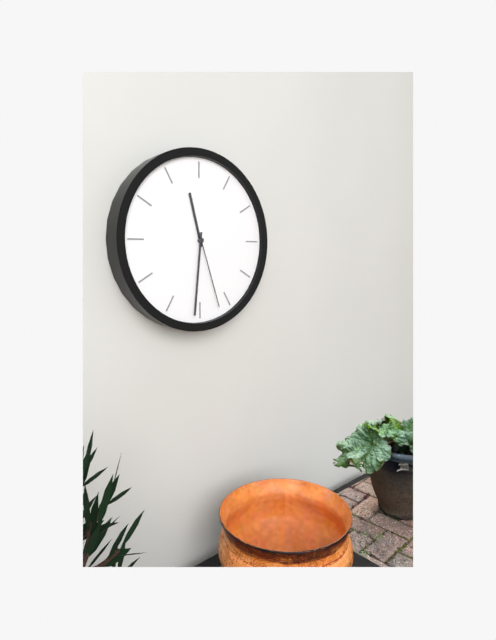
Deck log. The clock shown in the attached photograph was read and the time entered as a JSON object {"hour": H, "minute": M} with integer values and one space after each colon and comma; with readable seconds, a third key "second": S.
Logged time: {"hour": 11, "minute": 31, "second": 27}
